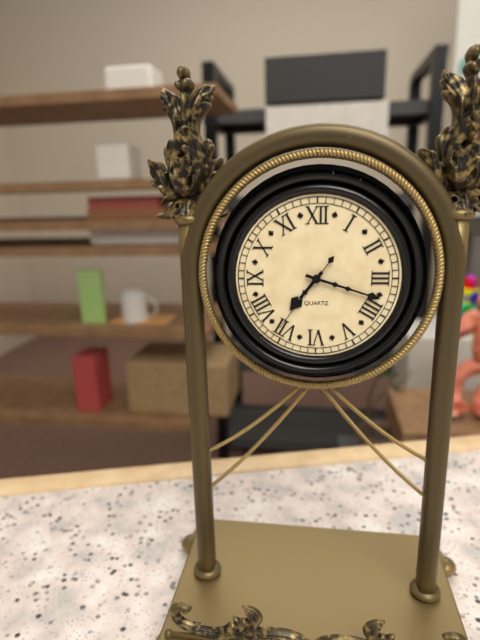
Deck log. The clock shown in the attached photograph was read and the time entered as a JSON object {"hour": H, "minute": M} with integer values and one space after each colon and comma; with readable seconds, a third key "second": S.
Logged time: {"hour": 7, "minute": 18, "second": 36}
